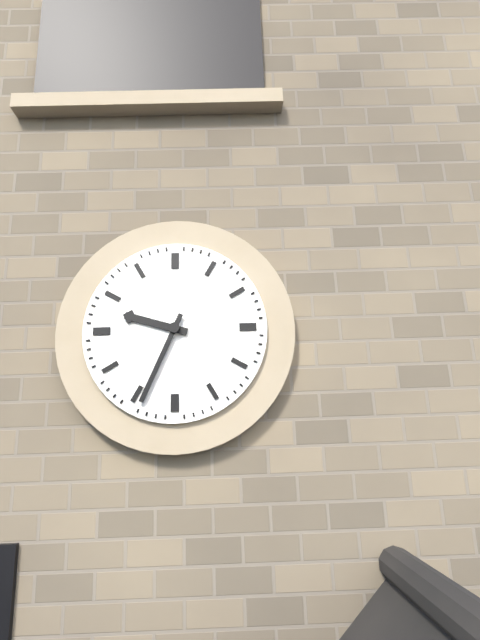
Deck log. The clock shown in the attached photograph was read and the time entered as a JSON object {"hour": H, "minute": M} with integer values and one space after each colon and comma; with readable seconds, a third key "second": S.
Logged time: {"hour": 9, "minute": 34}
